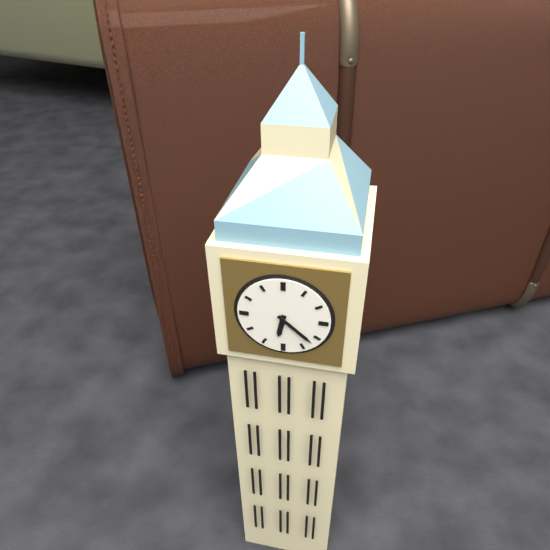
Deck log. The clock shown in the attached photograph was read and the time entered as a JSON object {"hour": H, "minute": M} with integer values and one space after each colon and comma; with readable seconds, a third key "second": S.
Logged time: {"hour": 6, "minute": 22}
